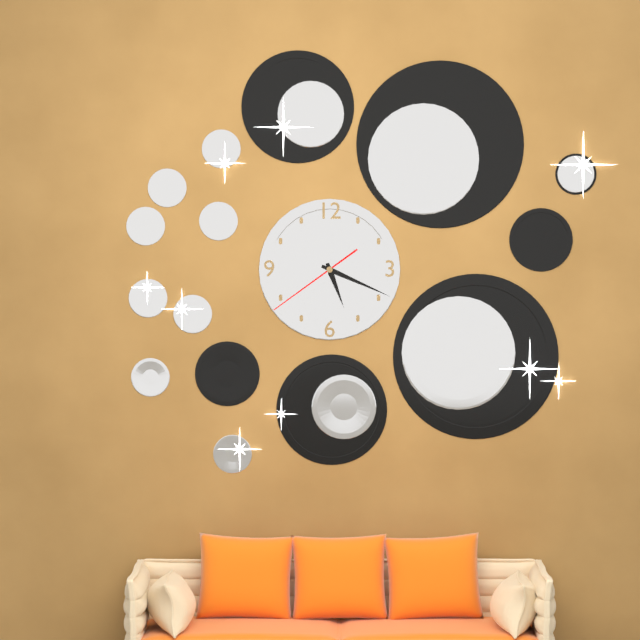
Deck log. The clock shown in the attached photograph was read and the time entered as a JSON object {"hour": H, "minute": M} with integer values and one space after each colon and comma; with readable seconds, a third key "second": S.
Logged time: {"hour": 5, "minute": 19, "second": 39}
